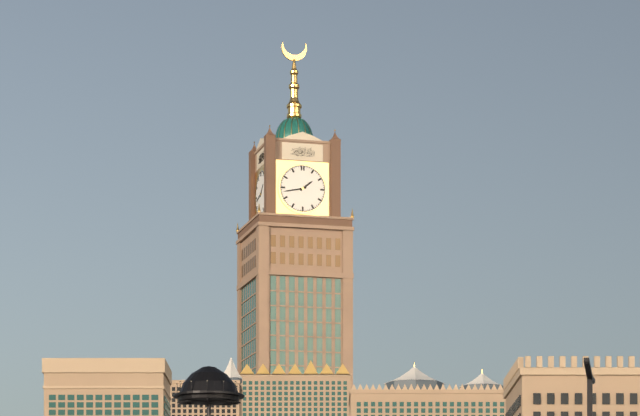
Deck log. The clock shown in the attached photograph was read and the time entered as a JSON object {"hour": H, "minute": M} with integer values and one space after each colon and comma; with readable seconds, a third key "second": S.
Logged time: {"hour": 1, "minute": 43}
